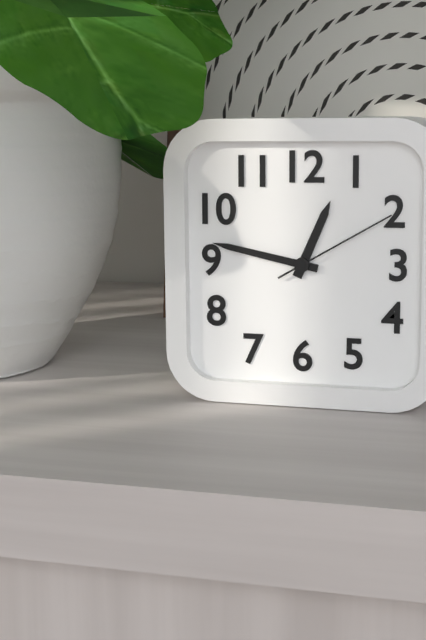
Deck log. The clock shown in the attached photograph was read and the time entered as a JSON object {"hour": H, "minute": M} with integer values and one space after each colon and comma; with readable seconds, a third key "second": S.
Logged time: {"hour": 12, "minute": 47, "second": 10}
